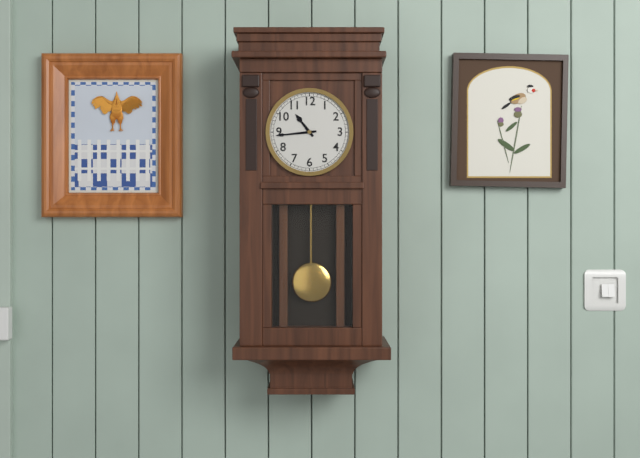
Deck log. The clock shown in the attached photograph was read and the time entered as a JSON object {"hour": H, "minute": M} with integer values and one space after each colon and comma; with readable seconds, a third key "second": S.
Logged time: {"hour": 10, "minute": 44}
